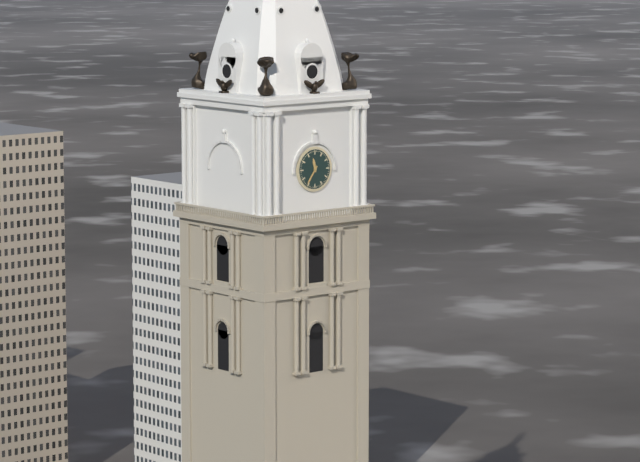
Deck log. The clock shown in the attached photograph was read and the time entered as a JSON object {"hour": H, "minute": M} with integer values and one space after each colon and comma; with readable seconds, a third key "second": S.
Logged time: {"hour": 11, "minute": 36}
